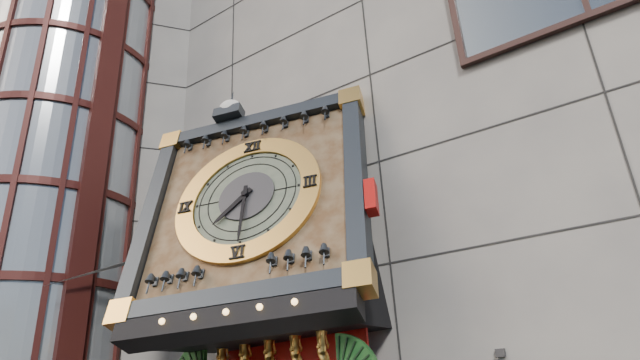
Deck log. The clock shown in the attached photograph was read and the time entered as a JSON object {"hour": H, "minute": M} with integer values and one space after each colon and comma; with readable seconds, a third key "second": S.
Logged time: {"hour": 7, "minute": 30}
